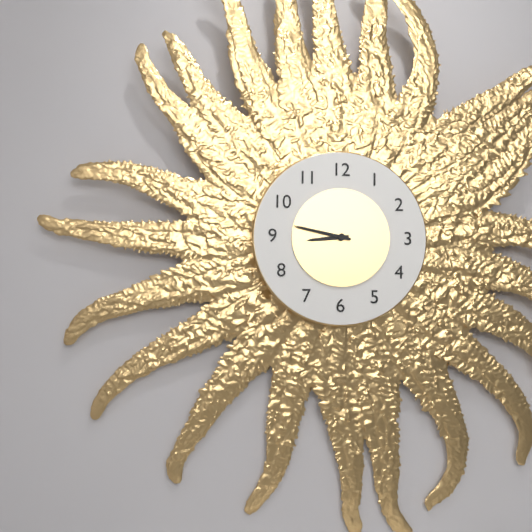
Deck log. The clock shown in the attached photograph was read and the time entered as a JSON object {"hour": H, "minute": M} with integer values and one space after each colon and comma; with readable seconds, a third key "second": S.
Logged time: {"hour": 8, "minute": 47}
